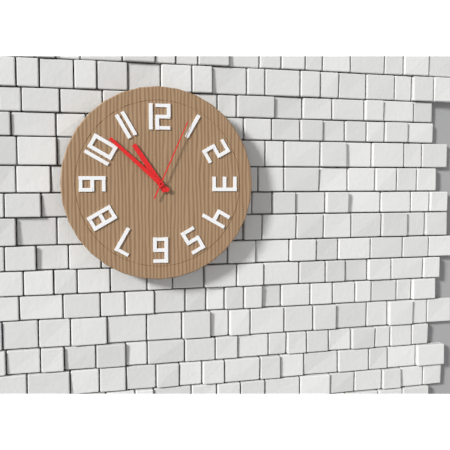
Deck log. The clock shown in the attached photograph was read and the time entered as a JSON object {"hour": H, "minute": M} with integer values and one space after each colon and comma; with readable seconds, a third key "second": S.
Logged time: {"hour": 10, "minute": 52, "second": 4}
